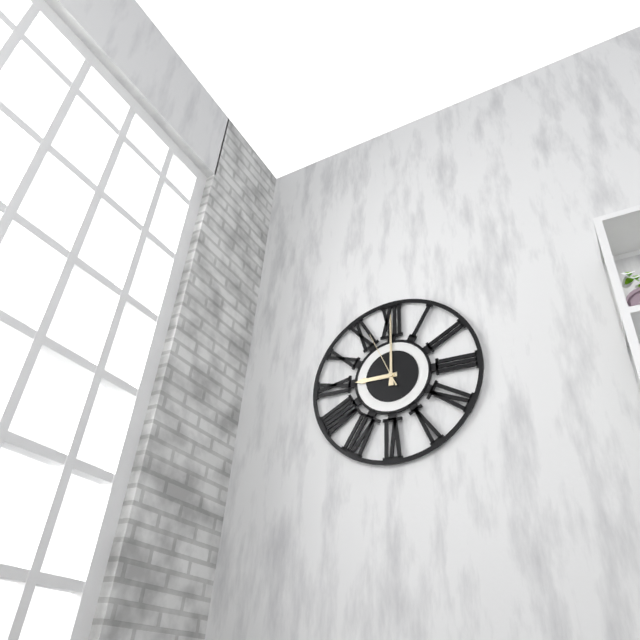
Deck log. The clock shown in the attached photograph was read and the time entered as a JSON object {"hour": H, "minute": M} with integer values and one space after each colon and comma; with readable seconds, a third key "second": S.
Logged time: {"hour": 9, "minute": 0, "second": 56}
